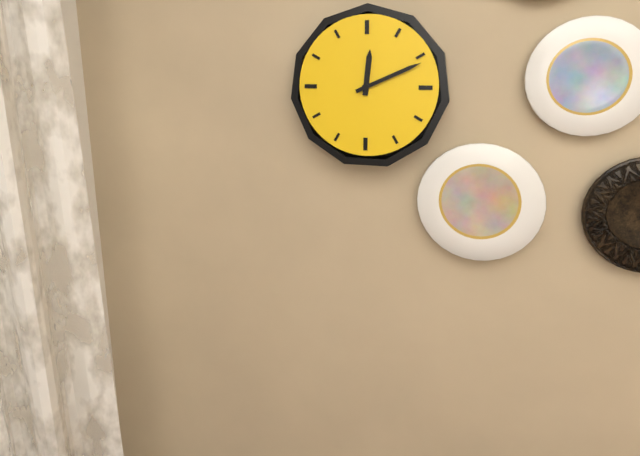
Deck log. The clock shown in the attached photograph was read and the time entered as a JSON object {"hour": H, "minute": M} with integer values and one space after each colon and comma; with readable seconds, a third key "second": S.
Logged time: {"hour": 12, "minute": 11}
